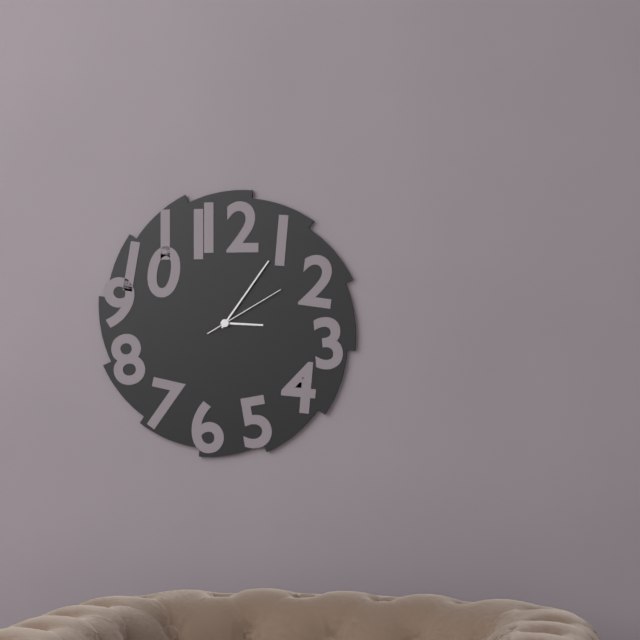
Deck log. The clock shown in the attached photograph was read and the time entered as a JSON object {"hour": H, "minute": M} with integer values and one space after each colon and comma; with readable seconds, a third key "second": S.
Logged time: {"hour": 3, "minute": 6, "second": 10}
